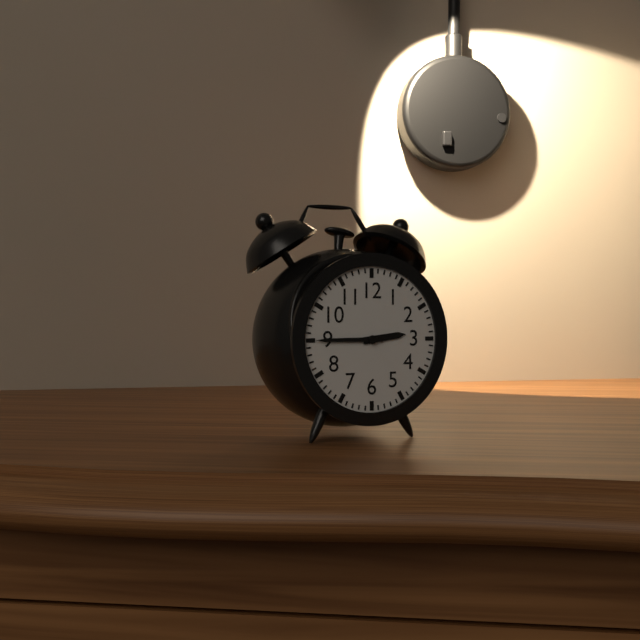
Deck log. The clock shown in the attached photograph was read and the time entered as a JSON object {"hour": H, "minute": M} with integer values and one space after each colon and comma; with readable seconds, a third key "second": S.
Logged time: {"hour": 2, "minute": 45}
